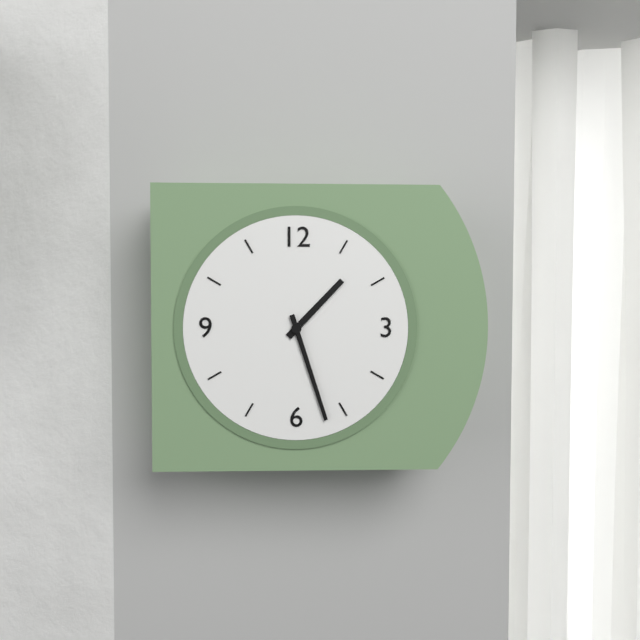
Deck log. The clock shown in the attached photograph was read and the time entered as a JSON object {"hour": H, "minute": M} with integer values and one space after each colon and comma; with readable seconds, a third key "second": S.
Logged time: {"hour": 1, "minute": 27}
